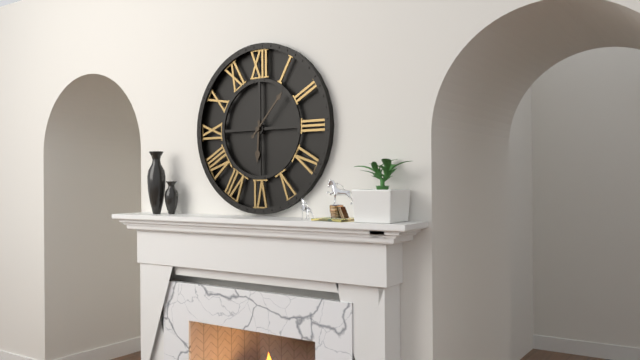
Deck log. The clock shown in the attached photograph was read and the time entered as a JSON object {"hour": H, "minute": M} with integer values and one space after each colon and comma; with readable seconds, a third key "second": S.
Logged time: {"hour": 6, "minute": 7}
